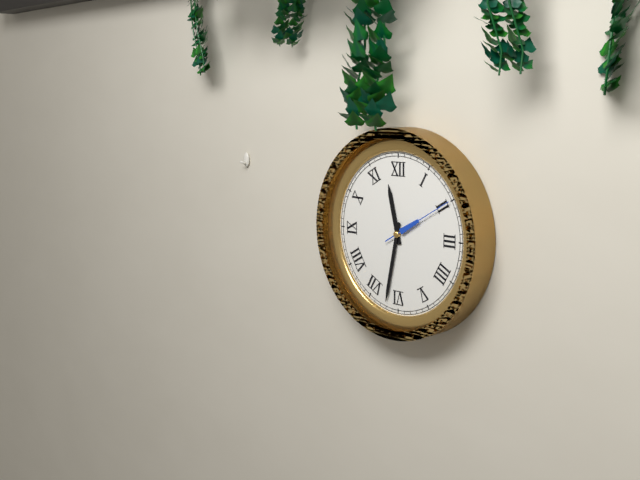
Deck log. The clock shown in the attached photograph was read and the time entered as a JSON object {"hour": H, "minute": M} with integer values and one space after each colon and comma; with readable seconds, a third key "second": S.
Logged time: {"hour": 11, "minute": 32, "second": 10}
